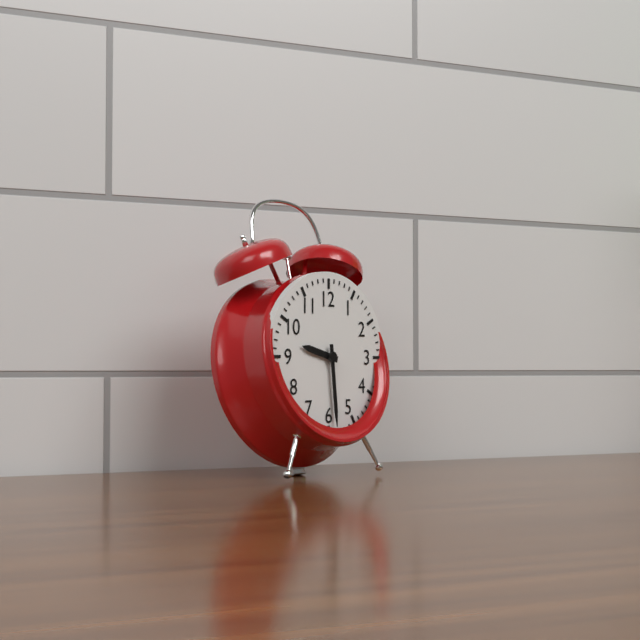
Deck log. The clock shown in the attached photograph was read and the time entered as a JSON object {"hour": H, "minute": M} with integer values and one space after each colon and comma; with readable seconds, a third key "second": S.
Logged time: {"hour": 9, "minute": 29}
